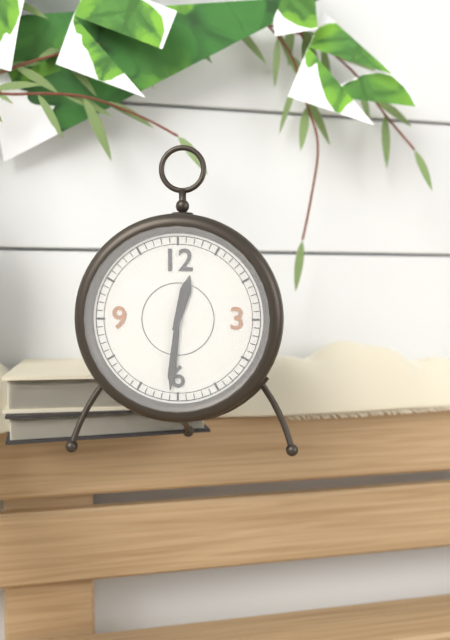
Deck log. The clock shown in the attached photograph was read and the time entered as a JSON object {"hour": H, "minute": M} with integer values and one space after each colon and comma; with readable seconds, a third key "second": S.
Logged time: {"hour": 12, "minute": 31}
